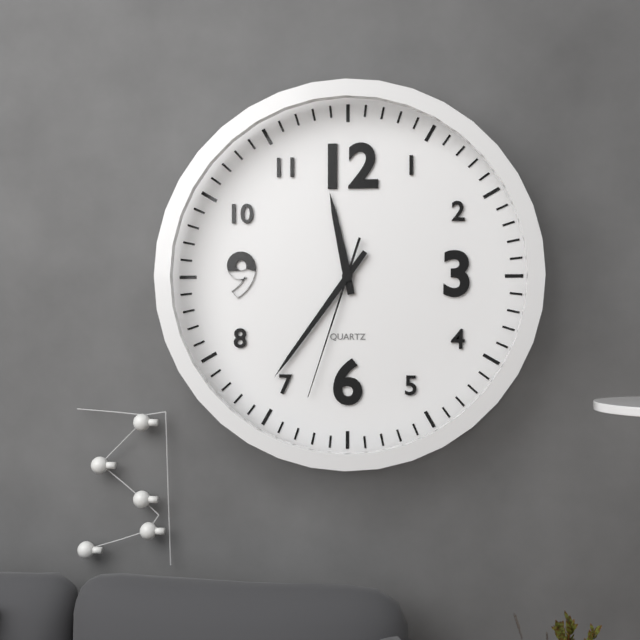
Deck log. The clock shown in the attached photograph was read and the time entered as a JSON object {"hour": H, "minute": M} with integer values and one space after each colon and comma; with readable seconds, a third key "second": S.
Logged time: {"hour": 11, "minute": 36, "second": 33}
